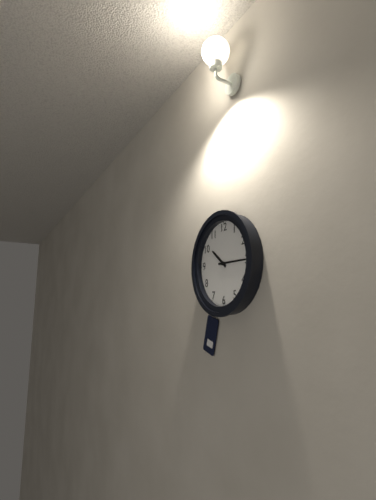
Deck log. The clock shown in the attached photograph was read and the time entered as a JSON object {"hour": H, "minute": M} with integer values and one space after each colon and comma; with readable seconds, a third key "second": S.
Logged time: {"hour": 10, "minute": 15}
